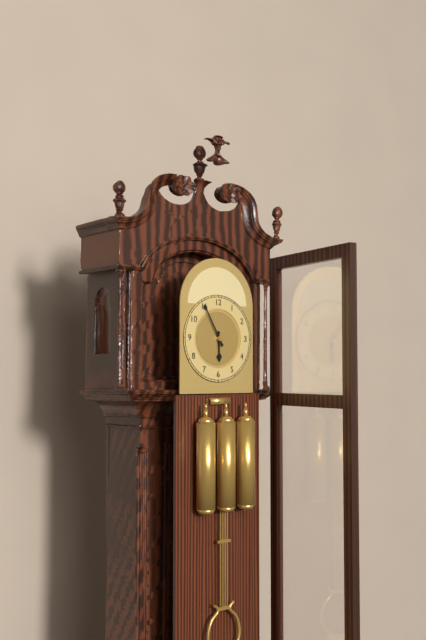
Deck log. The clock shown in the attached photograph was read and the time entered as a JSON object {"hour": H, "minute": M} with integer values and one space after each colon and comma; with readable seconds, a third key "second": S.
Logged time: {"hour": 5, "minute": 55}
